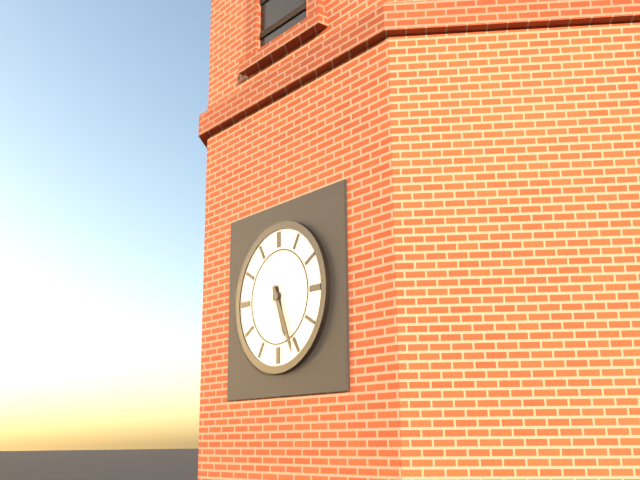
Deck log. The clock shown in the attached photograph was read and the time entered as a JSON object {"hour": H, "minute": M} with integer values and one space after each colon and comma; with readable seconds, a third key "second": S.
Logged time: {"hour": 5, "minute": 26}
